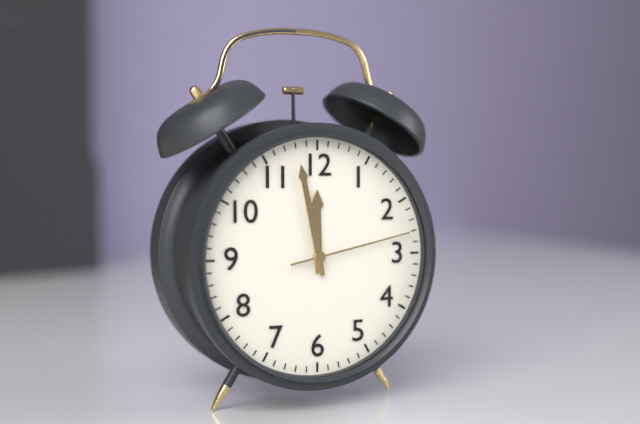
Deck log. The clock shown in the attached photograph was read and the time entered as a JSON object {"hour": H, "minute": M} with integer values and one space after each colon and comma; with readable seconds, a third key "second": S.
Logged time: {"hour": 11, "minute": 58, "second": 13}
